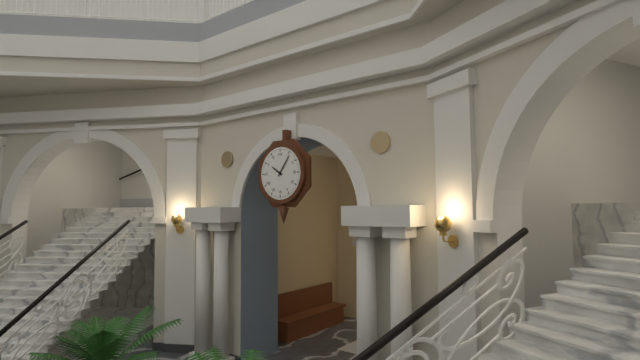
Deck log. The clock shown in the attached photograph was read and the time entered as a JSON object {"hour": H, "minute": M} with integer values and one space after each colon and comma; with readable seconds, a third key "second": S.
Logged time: {"hour": 10, "minute": 6}
